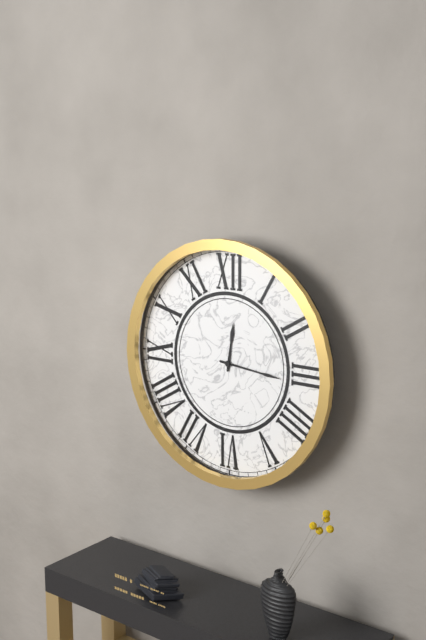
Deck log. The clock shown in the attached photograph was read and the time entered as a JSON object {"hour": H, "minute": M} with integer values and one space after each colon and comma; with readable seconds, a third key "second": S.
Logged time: {"hour": 12, "minute": 16}
